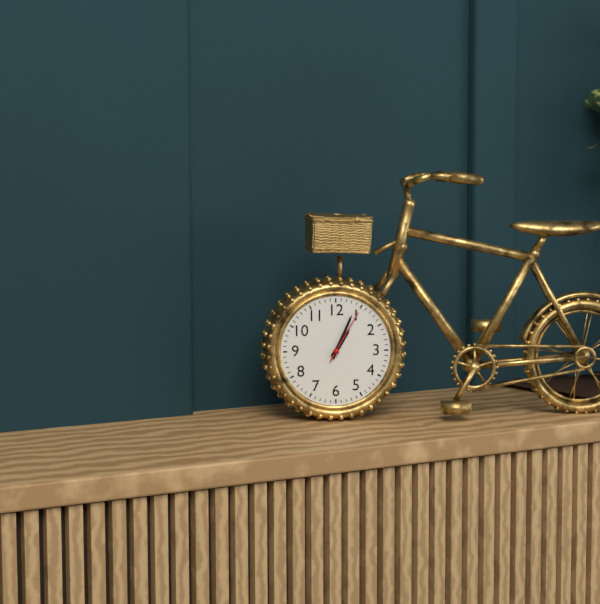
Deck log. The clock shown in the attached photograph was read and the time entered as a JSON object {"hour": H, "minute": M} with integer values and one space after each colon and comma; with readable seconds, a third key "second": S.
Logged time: {"hour": 1, "minute": 4, "second": 5}
